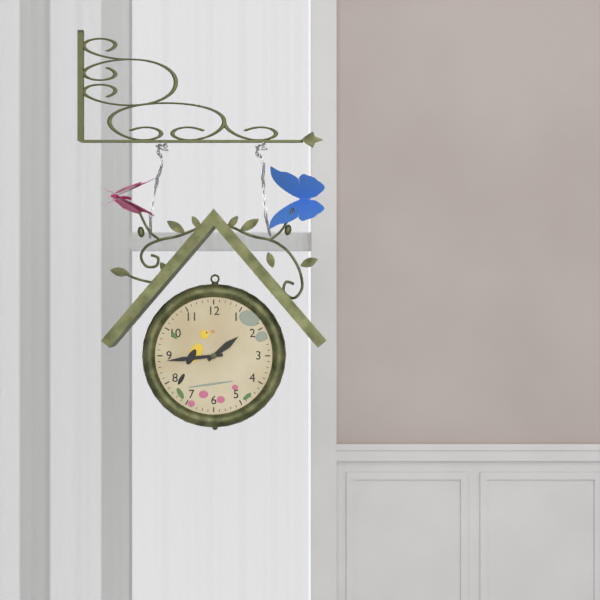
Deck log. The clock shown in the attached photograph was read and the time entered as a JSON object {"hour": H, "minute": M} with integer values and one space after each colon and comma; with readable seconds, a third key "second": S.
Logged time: {"hour": 1, "minute": 44}
